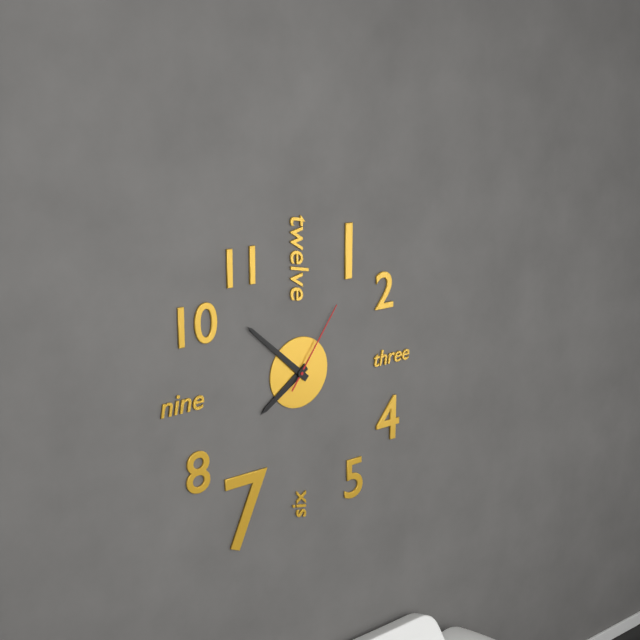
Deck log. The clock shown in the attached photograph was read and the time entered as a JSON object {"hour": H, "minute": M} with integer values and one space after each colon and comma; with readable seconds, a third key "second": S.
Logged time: {"hour": 7, "minute": 52, "second": 6}
